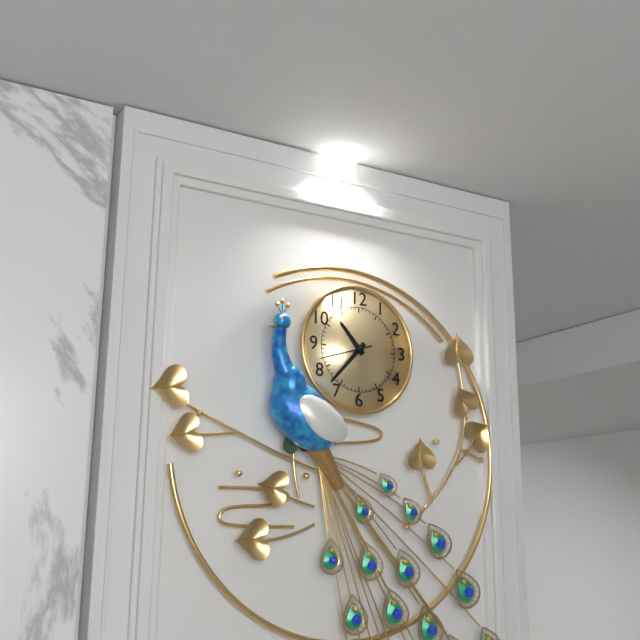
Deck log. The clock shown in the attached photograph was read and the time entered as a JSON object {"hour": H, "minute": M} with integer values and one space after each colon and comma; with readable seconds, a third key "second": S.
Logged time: {"hour": 10, "minute": 37, "second": 42}
